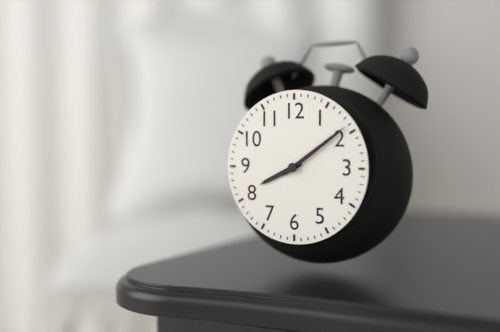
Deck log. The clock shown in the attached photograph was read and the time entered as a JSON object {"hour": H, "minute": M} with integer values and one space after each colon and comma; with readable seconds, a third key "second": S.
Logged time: {"hour": 8, "minute": 9}
